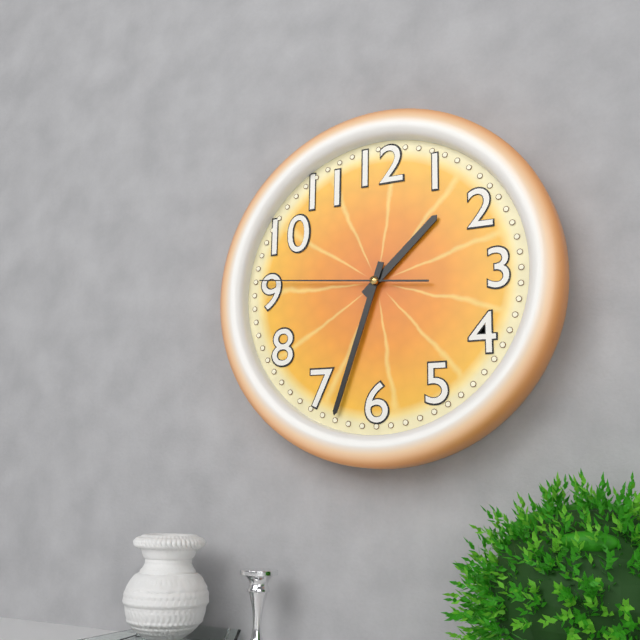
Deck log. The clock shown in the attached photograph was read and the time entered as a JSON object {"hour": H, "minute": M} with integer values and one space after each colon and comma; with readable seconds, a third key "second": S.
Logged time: {"hour": 1, "minute": 33, "second": 46}
